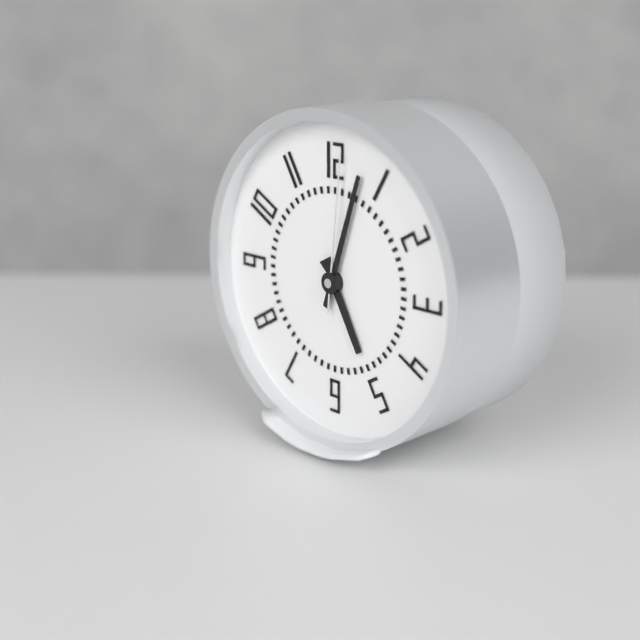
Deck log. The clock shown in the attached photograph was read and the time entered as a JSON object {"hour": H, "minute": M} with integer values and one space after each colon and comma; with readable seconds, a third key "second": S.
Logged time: {"hour": 5, "minute": 3, "second": 1}
